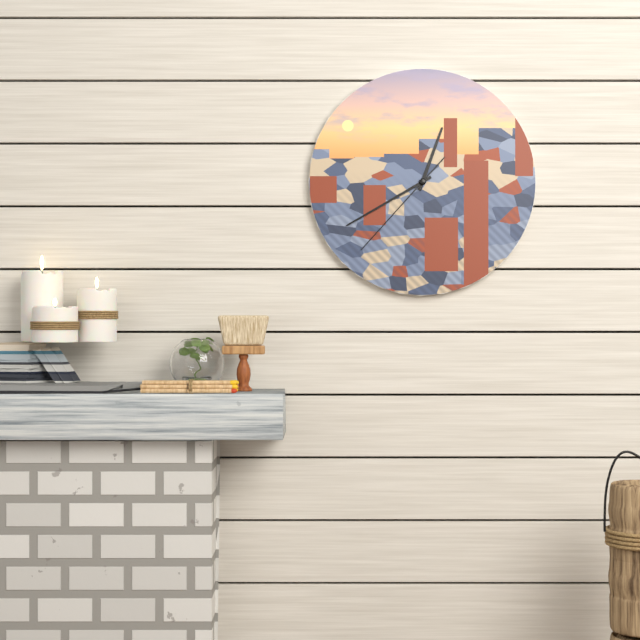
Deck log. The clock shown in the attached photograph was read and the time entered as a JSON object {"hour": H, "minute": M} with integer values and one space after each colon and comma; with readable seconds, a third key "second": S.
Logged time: {"hour": 12, "minute": 40, "second": 37}
